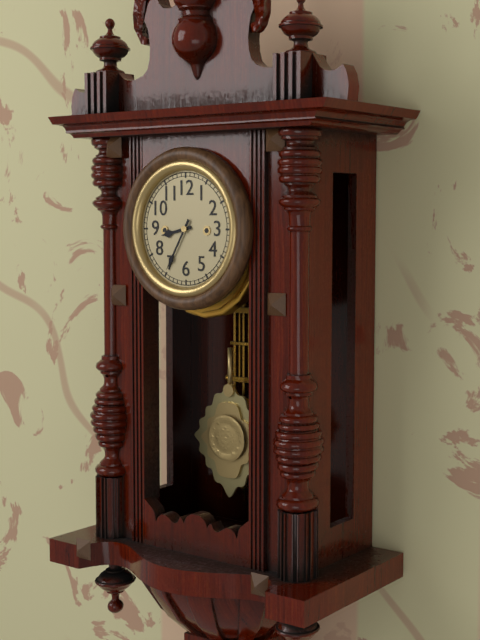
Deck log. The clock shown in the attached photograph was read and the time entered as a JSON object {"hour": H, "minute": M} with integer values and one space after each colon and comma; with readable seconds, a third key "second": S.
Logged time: {"hour": 8, "minute": 35}
